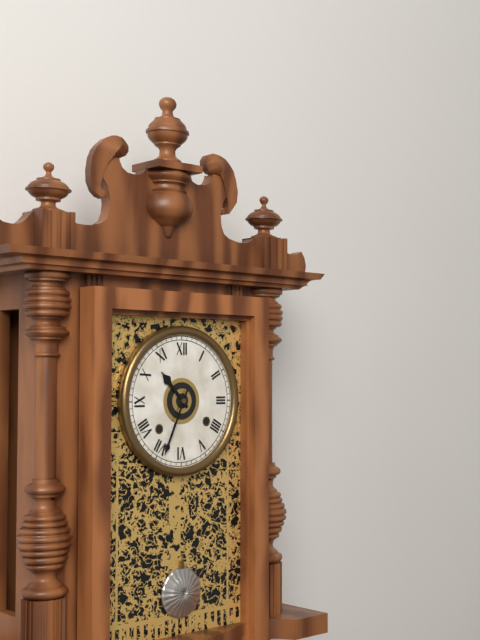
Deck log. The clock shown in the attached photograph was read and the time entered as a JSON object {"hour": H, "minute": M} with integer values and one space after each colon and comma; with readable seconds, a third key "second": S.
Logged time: {"hour": 10, "minute": 34}
